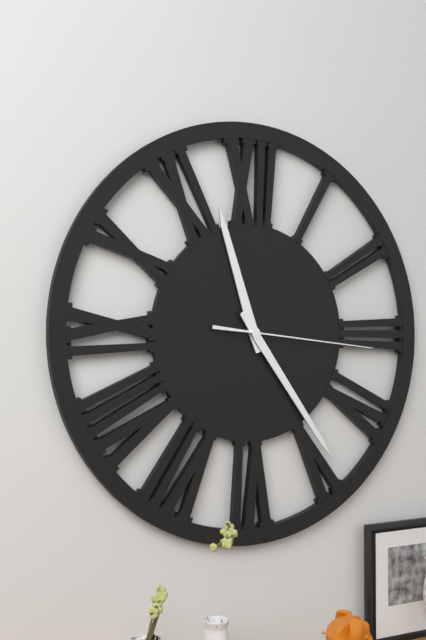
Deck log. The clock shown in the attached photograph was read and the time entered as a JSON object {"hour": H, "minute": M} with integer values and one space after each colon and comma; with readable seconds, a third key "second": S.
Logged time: {"hour": 11, "minute": 24, "second": 16}
